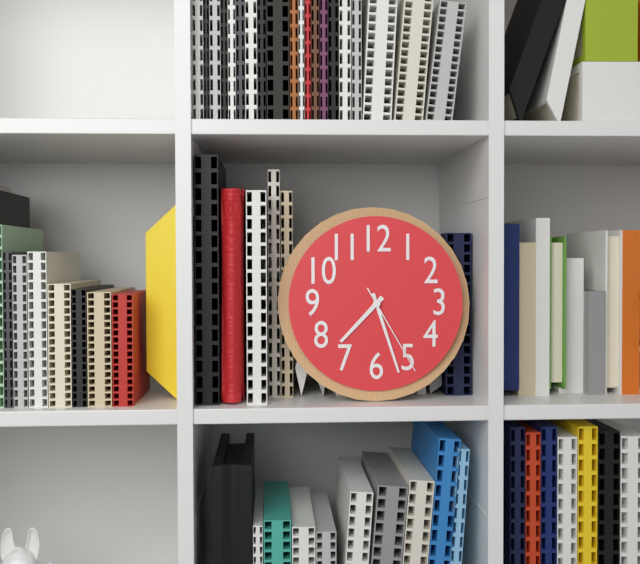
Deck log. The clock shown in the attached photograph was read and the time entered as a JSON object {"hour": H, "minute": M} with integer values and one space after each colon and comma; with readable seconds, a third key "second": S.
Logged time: {"hour": 7, "minute": 27, "second": 25}
